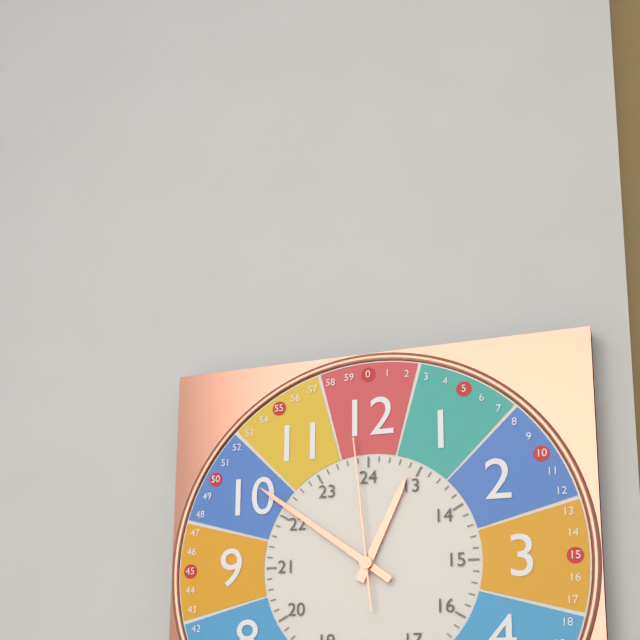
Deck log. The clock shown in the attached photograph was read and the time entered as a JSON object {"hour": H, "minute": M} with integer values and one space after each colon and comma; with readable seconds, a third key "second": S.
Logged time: {"hour": 12, "minute": 51, "second": 59}
